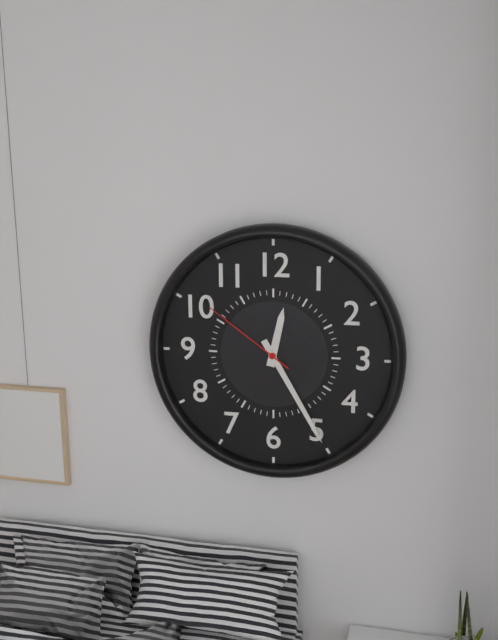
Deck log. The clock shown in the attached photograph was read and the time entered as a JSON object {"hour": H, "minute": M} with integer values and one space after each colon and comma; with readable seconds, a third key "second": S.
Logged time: {"hour": 12, "minute": 25, "second": 51}
